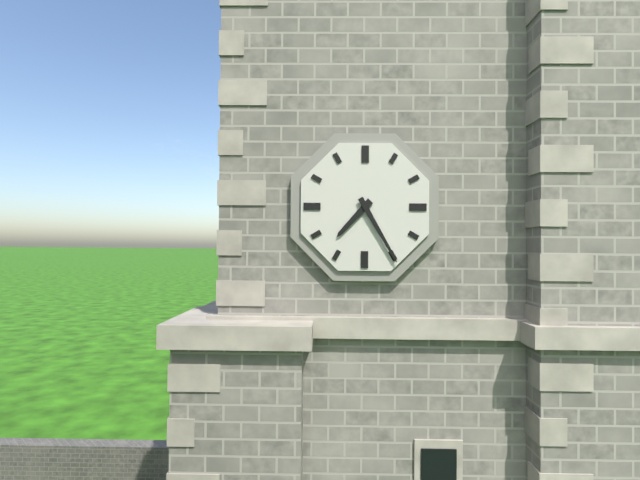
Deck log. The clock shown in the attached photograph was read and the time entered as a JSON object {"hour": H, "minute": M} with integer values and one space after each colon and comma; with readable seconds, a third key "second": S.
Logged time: {"hour": 7, "minute": 25}
